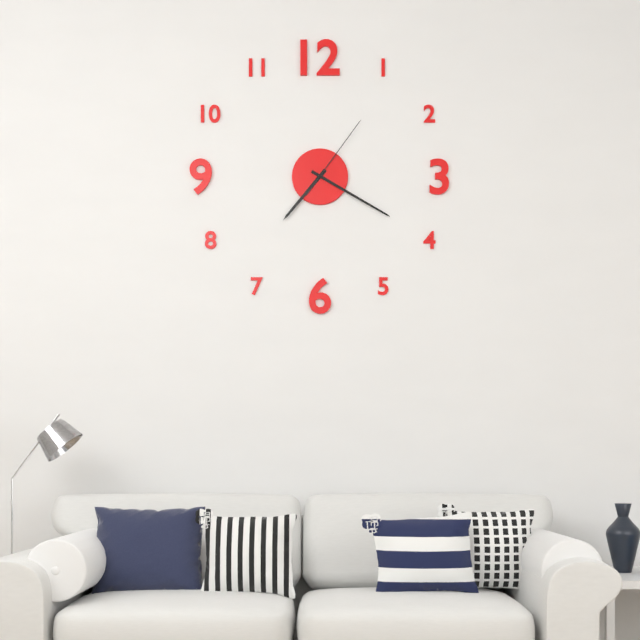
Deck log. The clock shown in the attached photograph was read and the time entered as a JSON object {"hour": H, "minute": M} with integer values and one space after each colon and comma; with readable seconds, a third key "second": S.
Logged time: {"hour": 7, "minute": 20, "second": 6}
